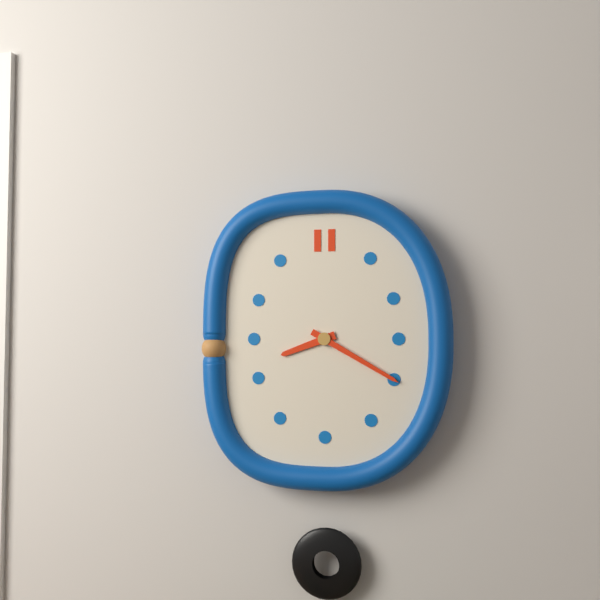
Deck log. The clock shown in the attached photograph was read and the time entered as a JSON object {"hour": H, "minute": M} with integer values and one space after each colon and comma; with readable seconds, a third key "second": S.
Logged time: {"hour": 8, "minute": 20}
